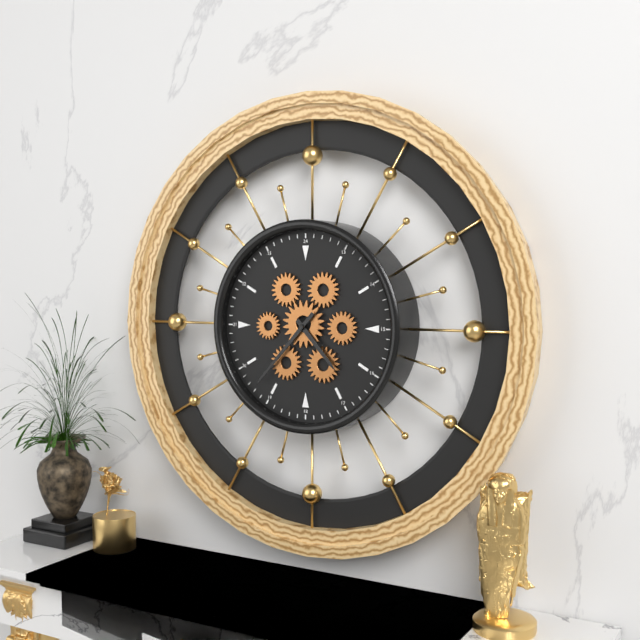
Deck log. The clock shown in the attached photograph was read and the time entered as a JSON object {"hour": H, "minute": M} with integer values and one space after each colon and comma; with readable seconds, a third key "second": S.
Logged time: {"hour": 4, "minute": 37}
